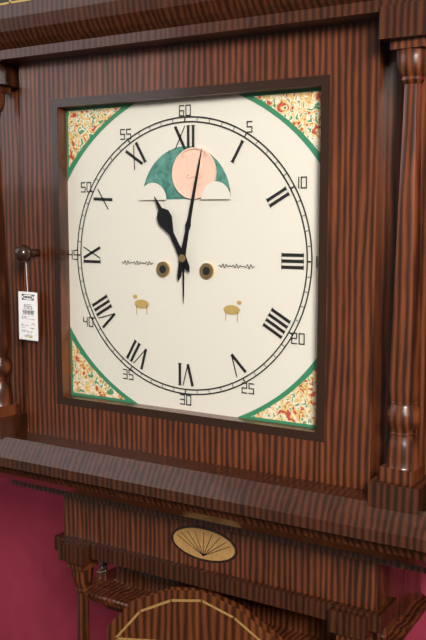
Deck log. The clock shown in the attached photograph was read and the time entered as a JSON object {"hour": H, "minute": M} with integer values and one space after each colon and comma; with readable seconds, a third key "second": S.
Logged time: {"hour": 11, "minute": 2}
